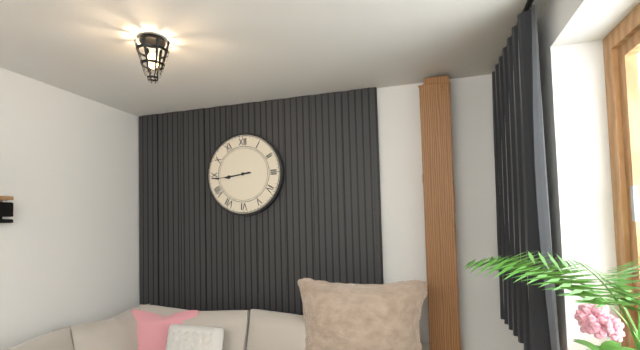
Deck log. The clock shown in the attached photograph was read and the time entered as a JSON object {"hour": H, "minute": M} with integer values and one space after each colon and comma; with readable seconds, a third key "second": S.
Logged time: {"hour": 8, "minute": 44}
